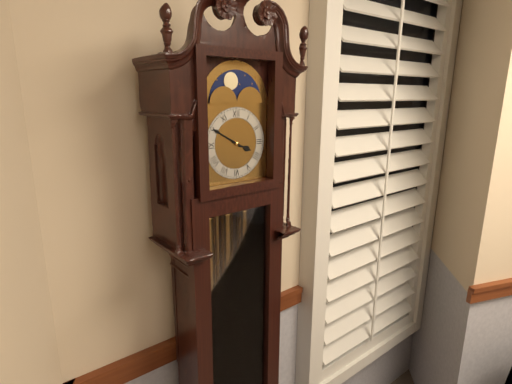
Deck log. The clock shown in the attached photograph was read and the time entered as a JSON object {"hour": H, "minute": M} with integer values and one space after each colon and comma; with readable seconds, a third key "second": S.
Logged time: {"hour": 3, "minute": 50}
